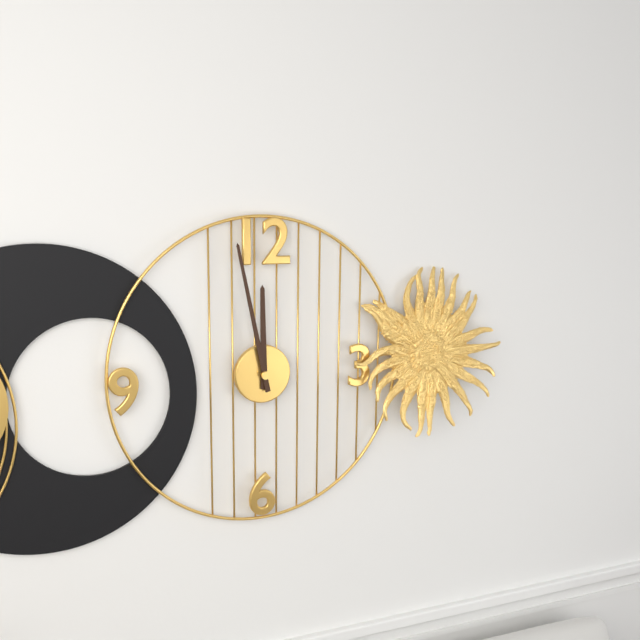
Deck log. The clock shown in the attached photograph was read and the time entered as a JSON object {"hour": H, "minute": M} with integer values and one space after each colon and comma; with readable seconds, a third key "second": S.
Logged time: {"hour": 11, "minute": 58}
